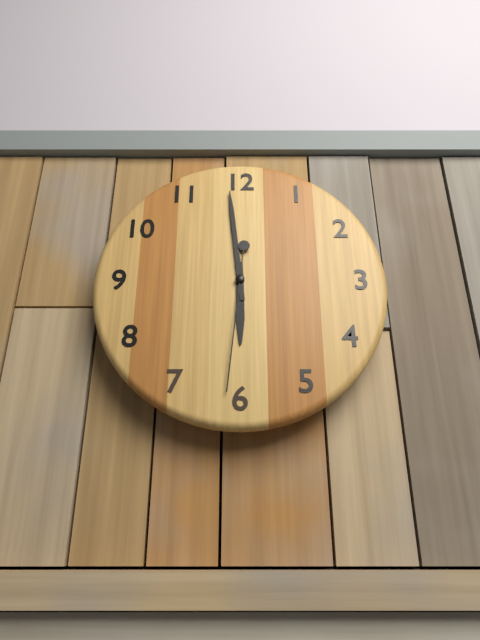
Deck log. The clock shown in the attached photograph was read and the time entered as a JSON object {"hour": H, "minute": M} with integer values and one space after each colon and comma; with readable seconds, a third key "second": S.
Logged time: {"hour": 5, "minute": 59, "second": 31}
